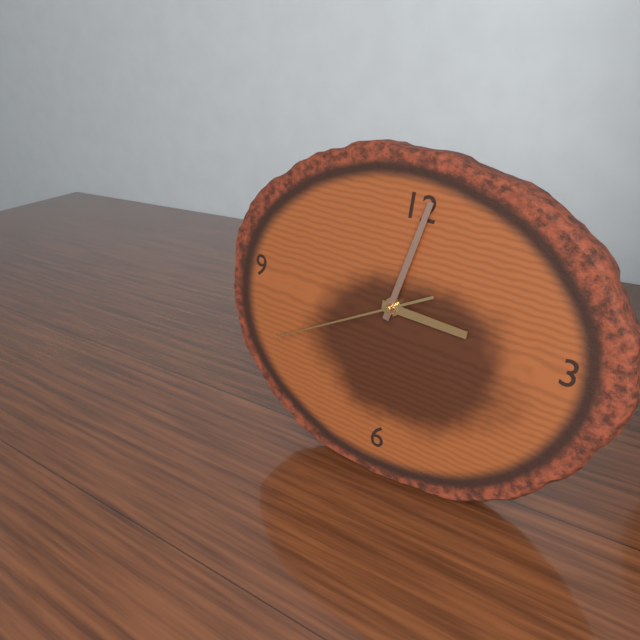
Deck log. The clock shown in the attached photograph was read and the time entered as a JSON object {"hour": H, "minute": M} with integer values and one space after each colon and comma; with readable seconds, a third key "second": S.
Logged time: {"hour": 3, "minute": 2, "second": 40}
